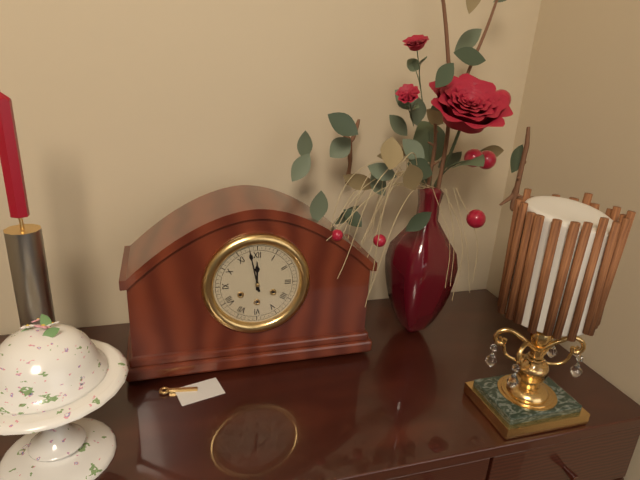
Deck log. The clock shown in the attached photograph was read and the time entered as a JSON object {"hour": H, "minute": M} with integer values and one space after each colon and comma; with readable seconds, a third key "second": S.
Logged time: {"hour": 11, "minute": 58}
